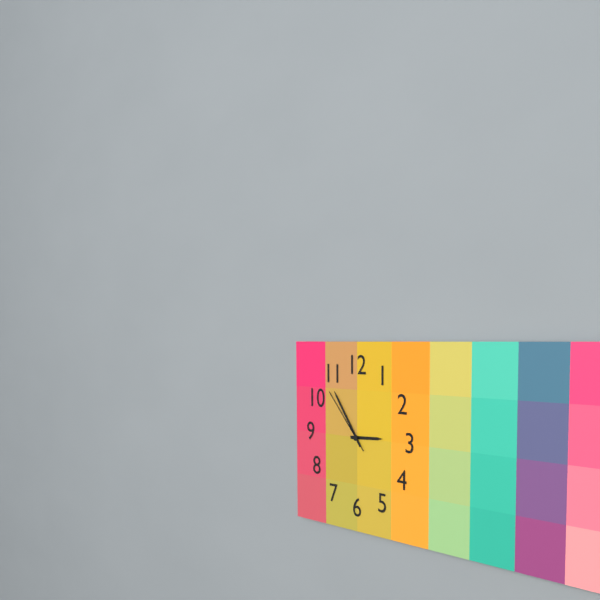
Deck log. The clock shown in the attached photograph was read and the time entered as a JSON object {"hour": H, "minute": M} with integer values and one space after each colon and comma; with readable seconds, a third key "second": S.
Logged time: {"hour": 2, "minute": 54, "second": 53}
